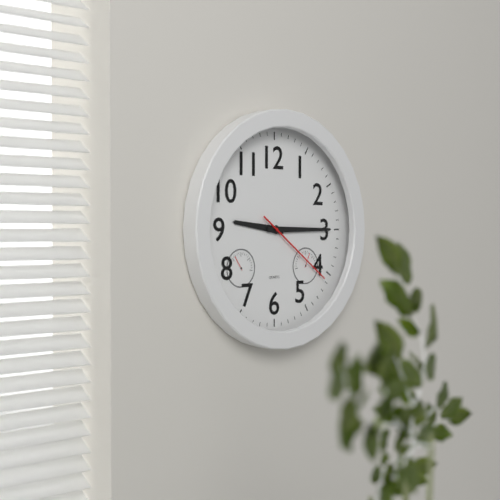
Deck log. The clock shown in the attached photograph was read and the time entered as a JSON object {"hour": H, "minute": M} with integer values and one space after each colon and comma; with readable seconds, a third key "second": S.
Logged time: {"hour": 9, "minute": 15, "second": 21}
